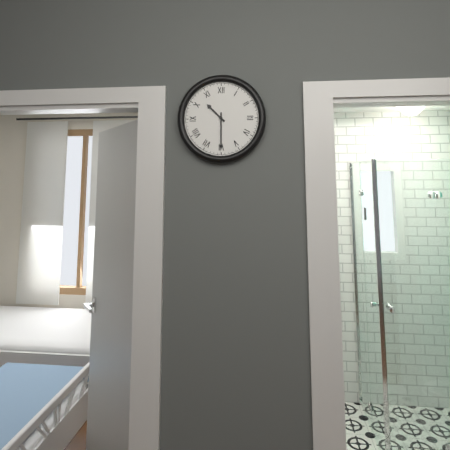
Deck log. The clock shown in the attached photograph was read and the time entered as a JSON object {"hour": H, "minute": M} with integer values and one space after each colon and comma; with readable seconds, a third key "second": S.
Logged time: {"hour": 10, "minute": 30}
